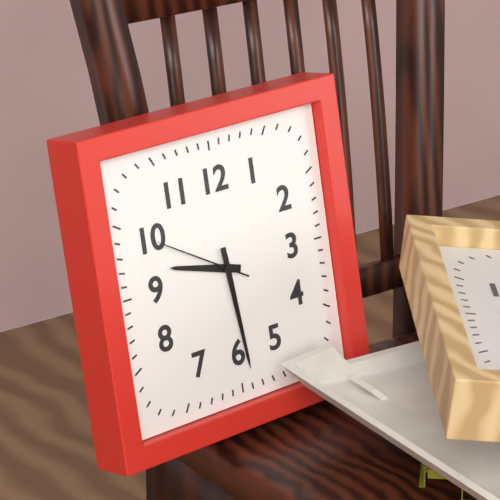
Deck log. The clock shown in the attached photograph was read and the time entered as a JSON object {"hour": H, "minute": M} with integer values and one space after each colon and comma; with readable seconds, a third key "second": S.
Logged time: {"hour": 9, "minute": 29, "second": 50}
